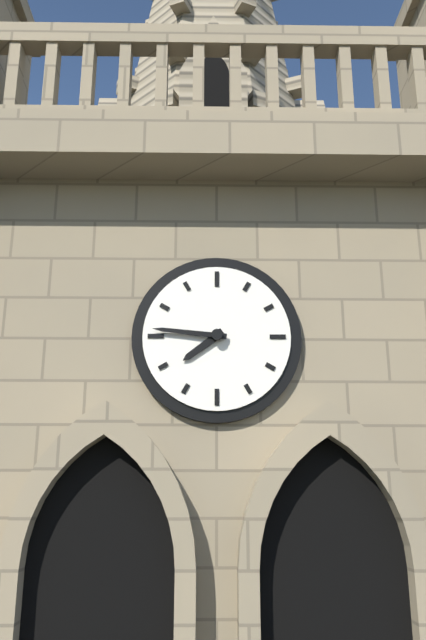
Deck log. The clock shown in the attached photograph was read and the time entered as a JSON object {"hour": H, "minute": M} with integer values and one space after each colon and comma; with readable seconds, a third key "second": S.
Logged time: {"hour": 7, "minute": 46}
